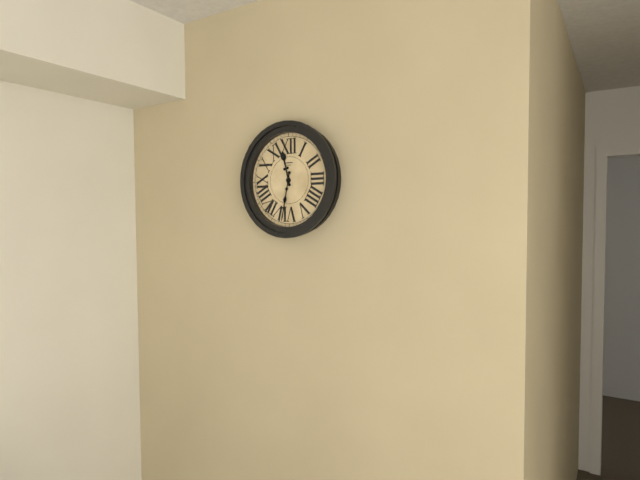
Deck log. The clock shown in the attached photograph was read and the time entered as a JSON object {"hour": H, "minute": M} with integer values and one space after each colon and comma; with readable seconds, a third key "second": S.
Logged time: {"hour": 11, "minute": 32}
